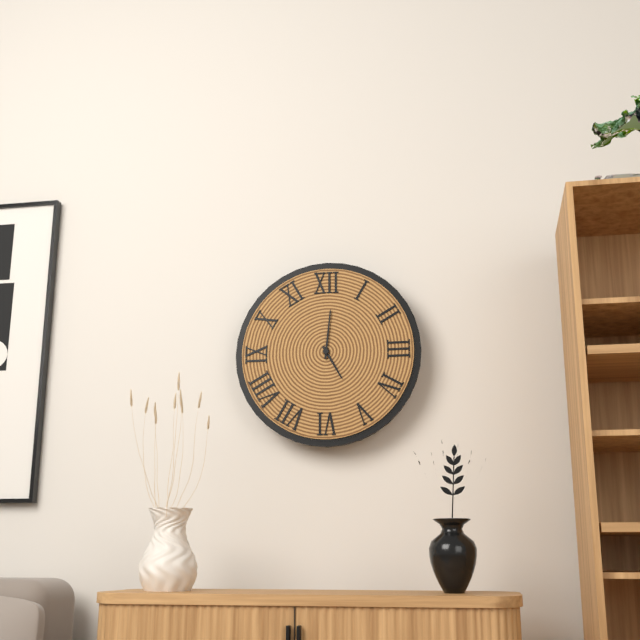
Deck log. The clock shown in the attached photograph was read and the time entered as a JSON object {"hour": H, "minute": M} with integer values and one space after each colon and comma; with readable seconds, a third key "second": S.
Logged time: {"hour": 5, "minute": 1}
